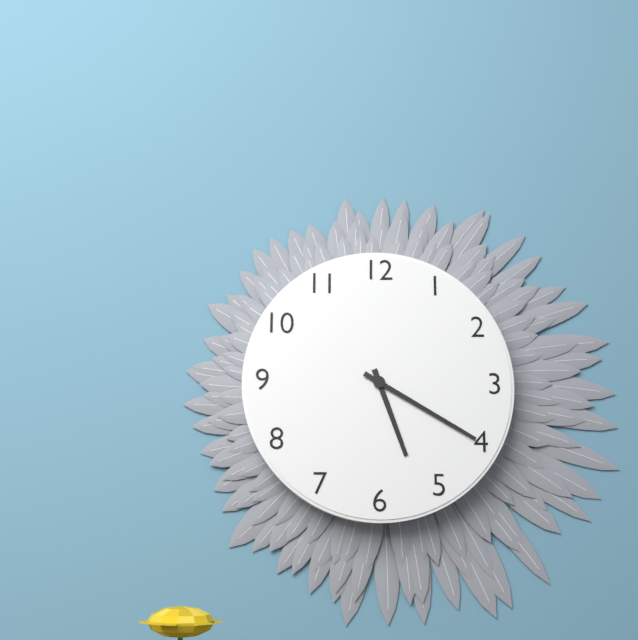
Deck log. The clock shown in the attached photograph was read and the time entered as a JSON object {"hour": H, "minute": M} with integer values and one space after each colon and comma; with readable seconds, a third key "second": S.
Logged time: {"hour": 5, "minute": 20}
